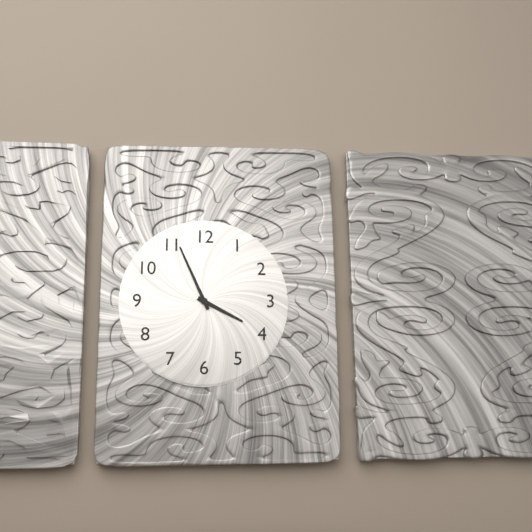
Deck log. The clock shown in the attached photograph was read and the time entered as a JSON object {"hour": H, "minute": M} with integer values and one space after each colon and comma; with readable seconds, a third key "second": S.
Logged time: {"hour": 3, "minute": 56}
